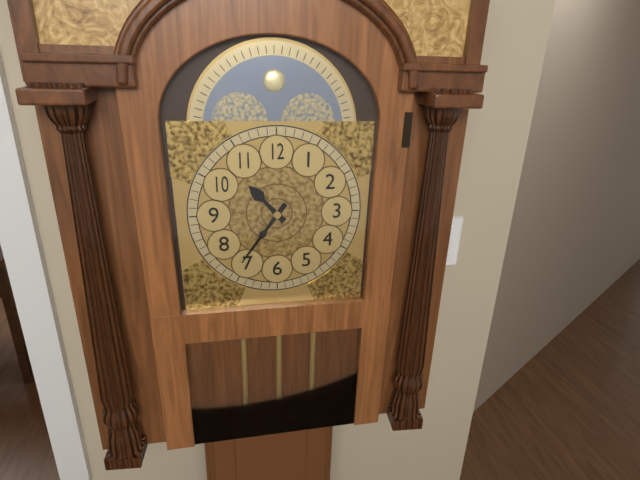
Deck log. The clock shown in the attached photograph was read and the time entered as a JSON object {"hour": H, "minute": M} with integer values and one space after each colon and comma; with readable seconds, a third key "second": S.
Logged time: {"hour": 10, "minute": 36}
